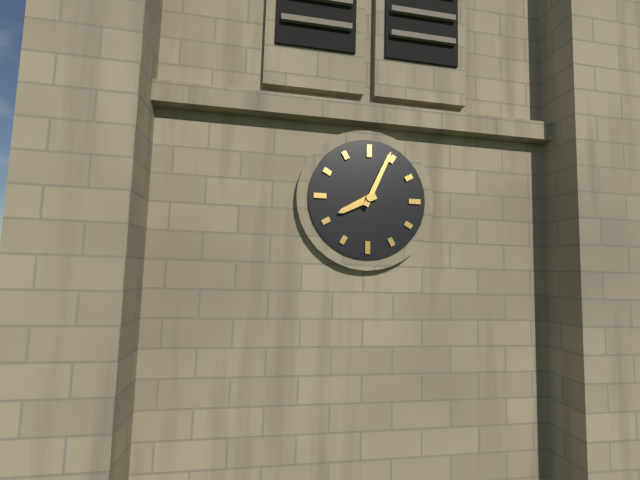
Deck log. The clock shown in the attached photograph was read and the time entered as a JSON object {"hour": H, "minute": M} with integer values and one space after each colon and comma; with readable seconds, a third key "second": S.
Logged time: {"hour": 8, "minute": 4}
